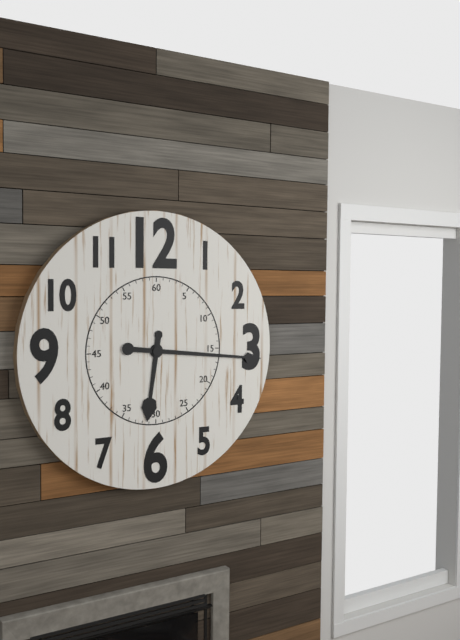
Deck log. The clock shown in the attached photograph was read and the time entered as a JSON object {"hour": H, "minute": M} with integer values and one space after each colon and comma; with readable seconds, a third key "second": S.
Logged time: {"hour": 6, "minute": 16}
